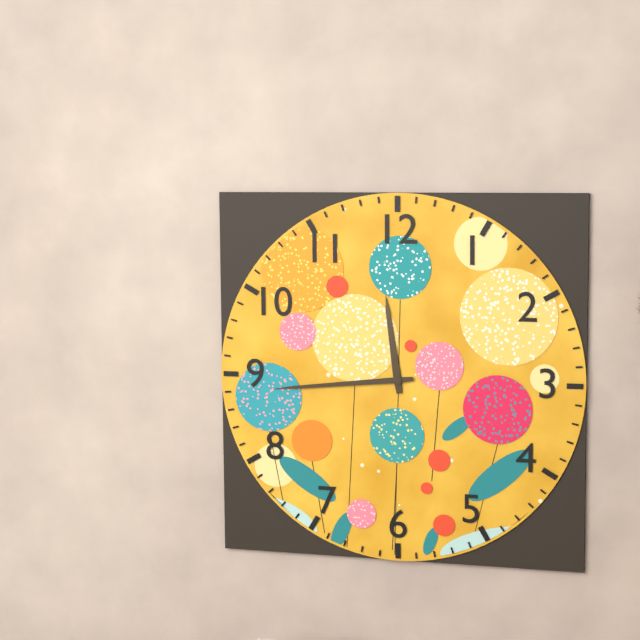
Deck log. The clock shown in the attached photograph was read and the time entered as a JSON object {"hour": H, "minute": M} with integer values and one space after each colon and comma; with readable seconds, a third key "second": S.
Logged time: {"hour": 11, "minute": 44}
